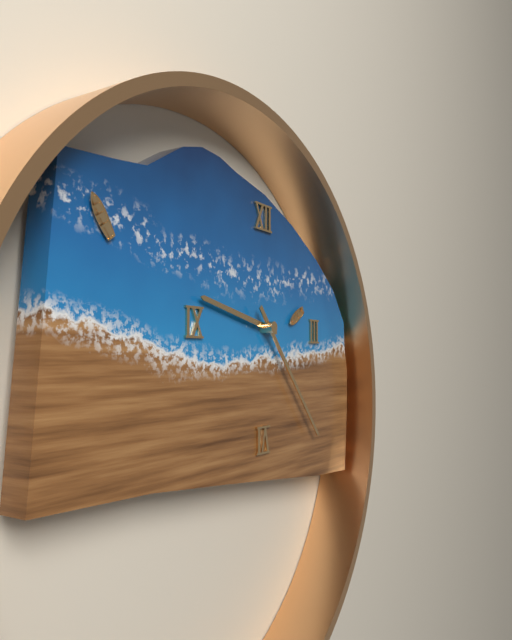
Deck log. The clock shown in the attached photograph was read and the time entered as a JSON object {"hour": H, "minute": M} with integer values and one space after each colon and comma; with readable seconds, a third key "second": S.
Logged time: {"hour": 9, "minute": 23}
